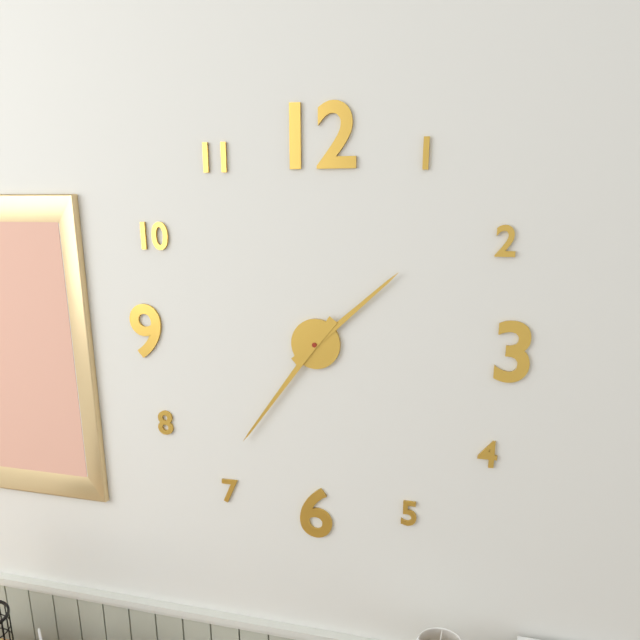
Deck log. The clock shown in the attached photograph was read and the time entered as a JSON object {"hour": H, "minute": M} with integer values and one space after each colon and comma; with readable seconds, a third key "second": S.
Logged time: {"hour": 1, "minute": 36}
